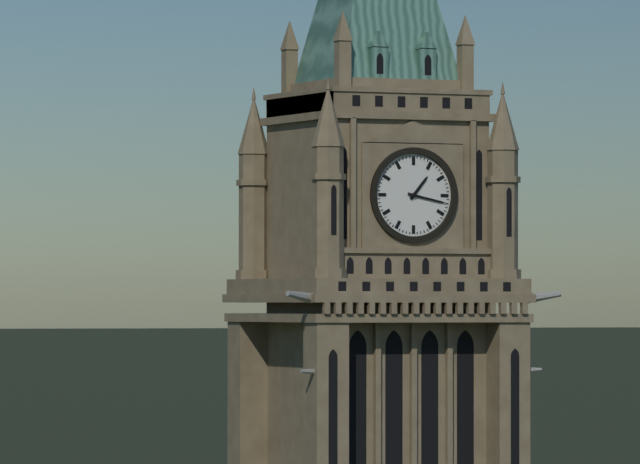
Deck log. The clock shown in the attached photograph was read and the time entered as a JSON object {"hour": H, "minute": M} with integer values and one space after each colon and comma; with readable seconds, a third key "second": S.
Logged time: {"hour": 1, "minute": 17}
